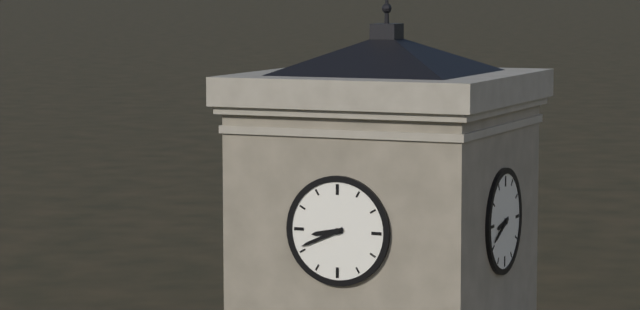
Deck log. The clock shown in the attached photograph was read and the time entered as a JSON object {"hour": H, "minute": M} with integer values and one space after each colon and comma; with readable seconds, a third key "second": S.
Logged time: {"hour": 8, "minute": 41}
